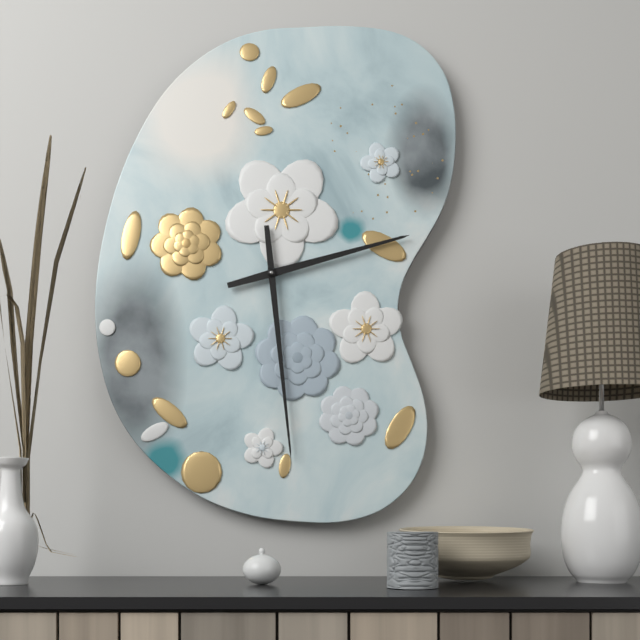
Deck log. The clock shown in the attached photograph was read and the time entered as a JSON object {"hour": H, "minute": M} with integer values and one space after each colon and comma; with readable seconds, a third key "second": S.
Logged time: {"hour": 2, "minute": 29}
